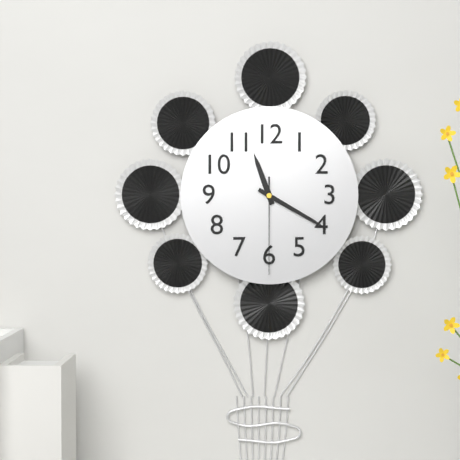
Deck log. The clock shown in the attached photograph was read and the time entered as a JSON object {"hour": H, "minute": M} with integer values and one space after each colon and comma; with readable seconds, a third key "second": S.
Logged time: {"hour": 11, "minute": 20, "second": 30}
